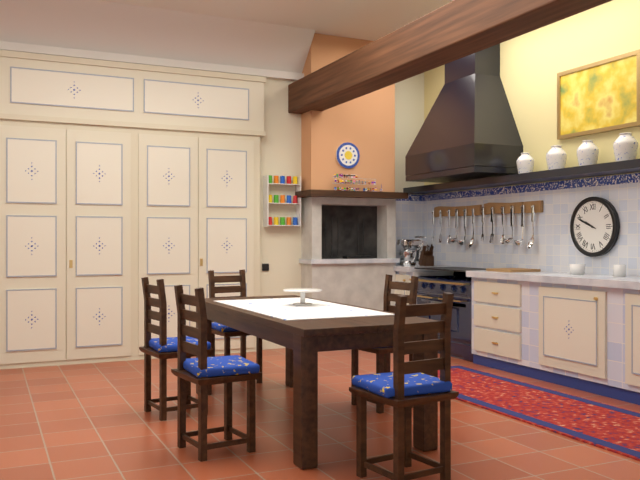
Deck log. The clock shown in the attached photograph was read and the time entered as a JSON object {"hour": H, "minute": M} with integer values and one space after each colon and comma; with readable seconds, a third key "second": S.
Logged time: {"hour": 9, "minute": 49}
